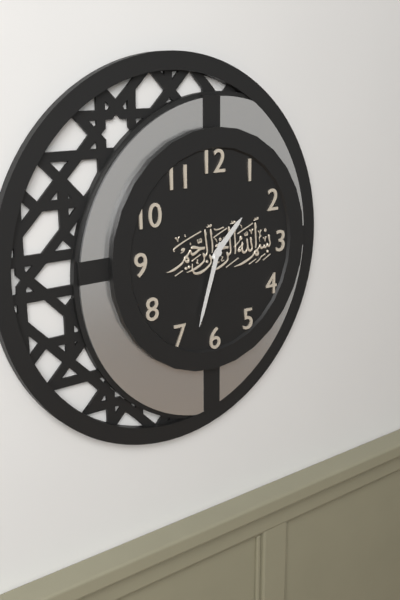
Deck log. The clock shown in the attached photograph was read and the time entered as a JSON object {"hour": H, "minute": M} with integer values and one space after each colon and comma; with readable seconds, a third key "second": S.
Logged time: {"hour": 1, "minute": 33}
